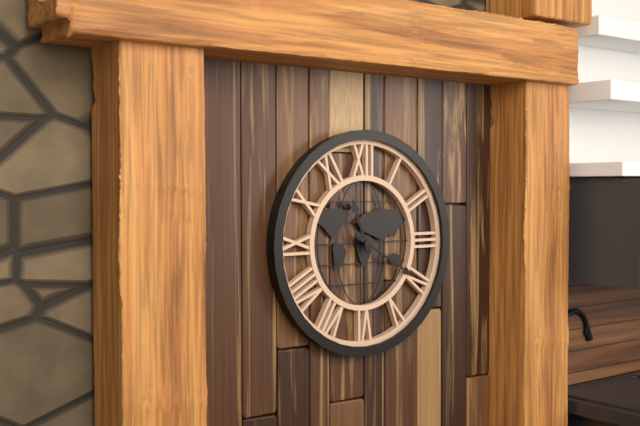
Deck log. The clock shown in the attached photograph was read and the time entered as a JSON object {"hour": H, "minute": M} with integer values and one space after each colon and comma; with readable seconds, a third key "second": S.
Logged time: {"hour": 11, "minute": 20}
